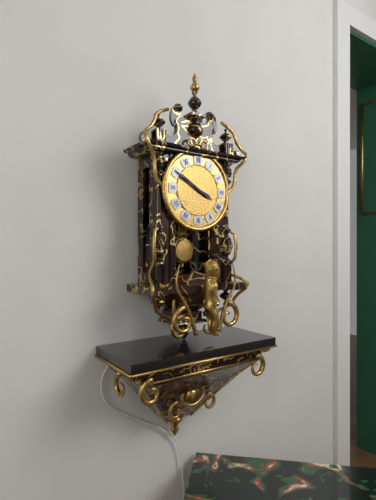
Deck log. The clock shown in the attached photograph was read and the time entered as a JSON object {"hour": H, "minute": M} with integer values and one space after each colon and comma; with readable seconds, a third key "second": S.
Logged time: {"hour": 3, "minute": 50}
